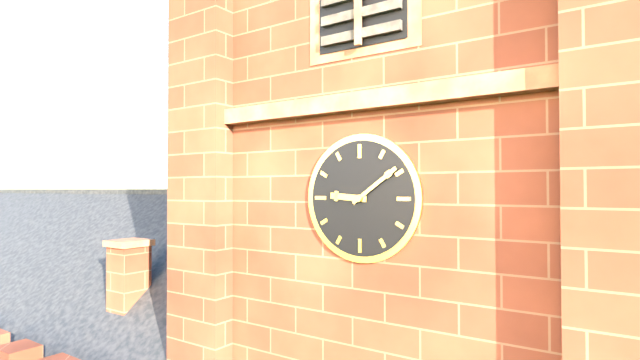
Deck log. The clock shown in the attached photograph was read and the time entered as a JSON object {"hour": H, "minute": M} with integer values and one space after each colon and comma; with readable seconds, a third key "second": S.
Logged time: {"hour": 9, "minute": 9}
